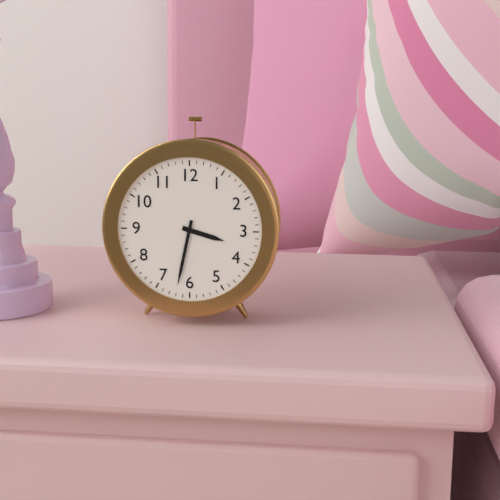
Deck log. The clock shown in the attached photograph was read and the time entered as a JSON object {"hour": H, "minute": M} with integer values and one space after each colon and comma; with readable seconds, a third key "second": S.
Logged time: {"hour": 3, "minute": 32}
